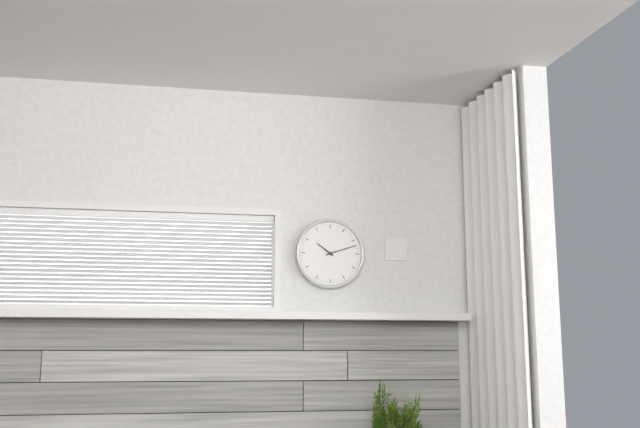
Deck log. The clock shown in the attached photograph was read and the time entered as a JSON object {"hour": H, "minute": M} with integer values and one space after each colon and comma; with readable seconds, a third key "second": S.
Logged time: {"hour": 10, "minute": 12}
